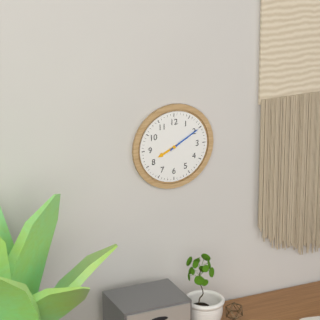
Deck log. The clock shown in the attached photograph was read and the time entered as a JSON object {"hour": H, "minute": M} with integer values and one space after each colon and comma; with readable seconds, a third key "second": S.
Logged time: {"hour": 8, "minute": 10}
